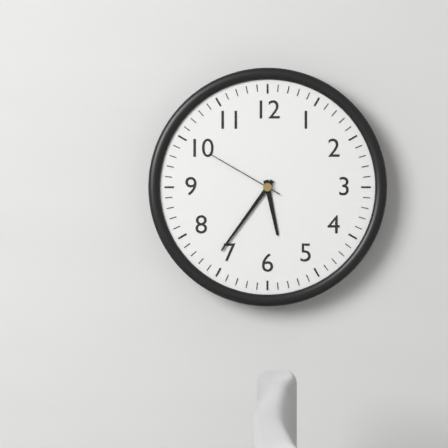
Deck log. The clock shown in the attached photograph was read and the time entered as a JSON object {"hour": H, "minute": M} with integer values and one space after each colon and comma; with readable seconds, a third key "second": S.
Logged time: {"hour": 5, "minute": 36, "second": 50}
